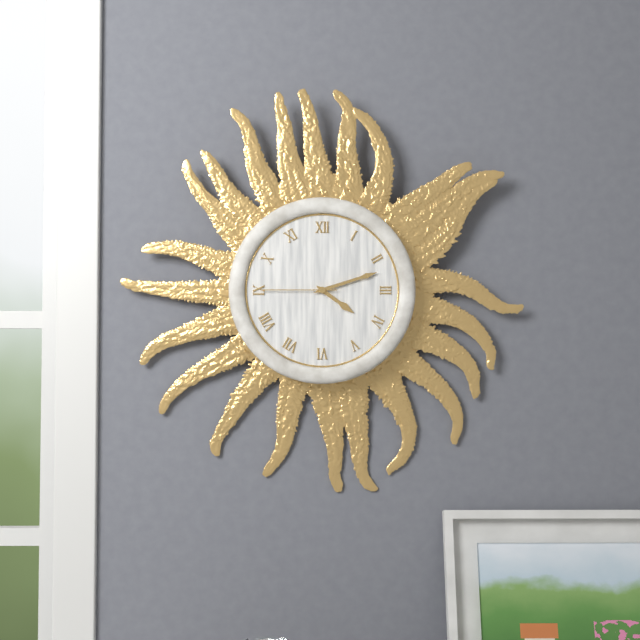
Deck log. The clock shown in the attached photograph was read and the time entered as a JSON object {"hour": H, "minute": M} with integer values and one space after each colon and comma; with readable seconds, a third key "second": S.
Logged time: {"hour": 4, "minute": 12, "second": 45}
